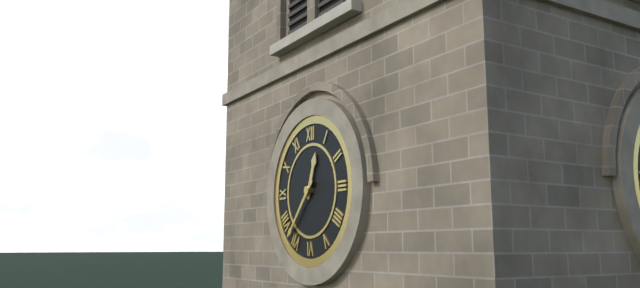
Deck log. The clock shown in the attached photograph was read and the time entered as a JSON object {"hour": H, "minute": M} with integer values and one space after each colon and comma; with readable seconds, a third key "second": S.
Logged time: {"hour": 12, "minute": 37}
